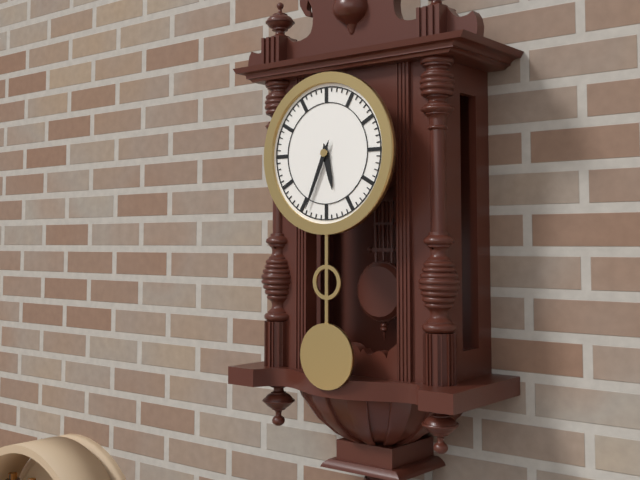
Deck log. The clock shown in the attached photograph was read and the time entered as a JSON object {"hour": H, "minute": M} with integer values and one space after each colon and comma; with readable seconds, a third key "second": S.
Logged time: {"hour": 5, "minute": 34}
